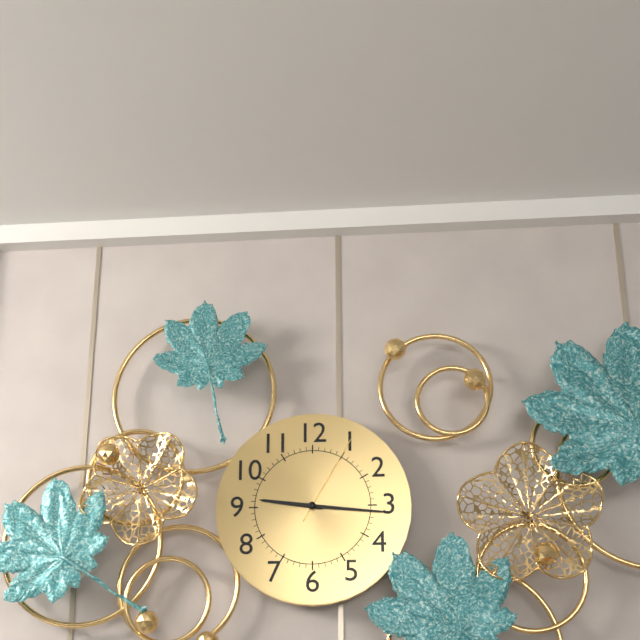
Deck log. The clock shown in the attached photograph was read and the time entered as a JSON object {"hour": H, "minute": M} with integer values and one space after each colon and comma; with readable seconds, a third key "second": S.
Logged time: {"hour": 9, "minute": 16, "second": 5}
